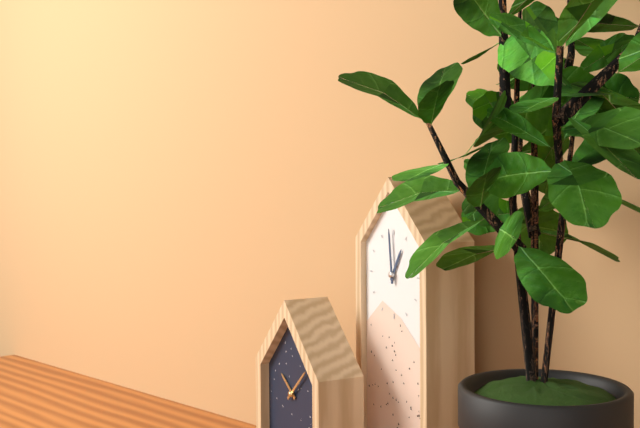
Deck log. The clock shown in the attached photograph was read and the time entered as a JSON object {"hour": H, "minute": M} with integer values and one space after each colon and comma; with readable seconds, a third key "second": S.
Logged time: {"hour": 12, "minute": 59}
